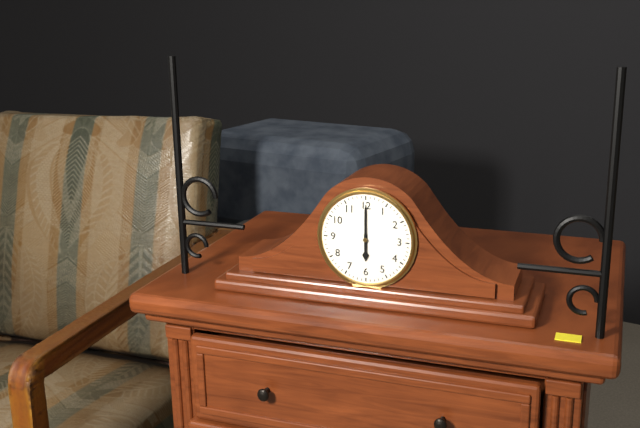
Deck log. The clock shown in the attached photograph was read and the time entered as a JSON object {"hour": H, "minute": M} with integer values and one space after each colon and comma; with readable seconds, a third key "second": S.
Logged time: {"hour": 6, "minute": 0}
